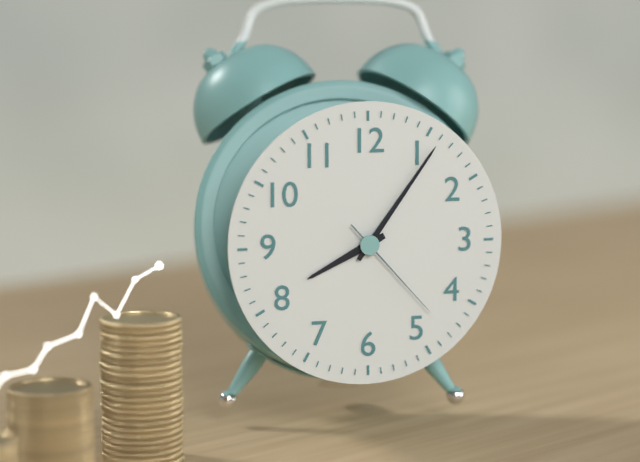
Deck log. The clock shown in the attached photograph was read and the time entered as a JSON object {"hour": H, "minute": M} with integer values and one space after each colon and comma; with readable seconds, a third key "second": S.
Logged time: {"hour": 8, "minute": 6, "second": 23}
